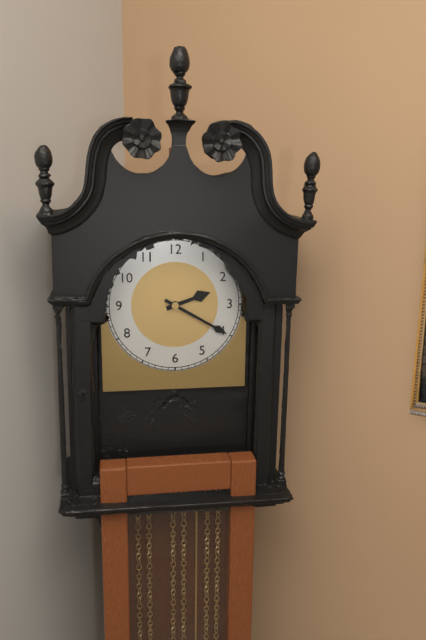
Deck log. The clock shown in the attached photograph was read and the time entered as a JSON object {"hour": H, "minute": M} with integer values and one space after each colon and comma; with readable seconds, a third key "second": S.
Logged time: {"hour": 2, "minute": 20}
